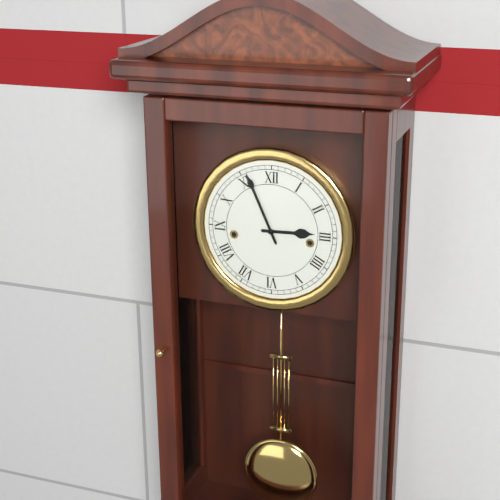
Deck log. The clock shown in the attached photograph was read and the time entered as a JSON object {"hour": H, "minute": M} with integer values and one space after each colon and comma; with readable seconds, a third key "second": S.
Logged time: {"hour": 2, "minute": 56}
